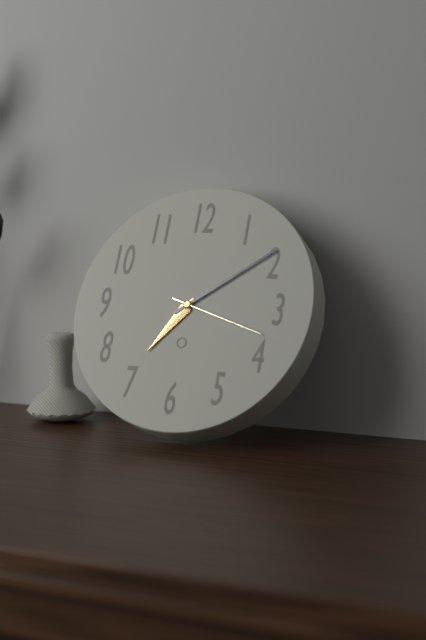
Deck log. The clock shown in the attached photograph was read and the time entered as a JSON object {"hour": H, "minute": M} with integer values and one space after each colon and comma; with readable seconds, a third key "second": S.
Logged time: {"hour": 7, "minute": 9, "second": 18}
